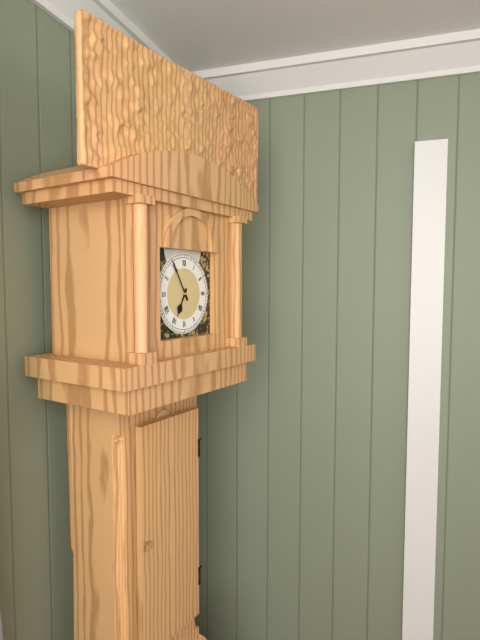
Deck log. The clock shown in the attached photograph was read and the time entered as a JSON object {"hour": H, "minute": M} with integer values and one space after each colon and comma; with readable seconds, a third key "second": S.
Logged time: {"hour": 6, "minute": 55}
